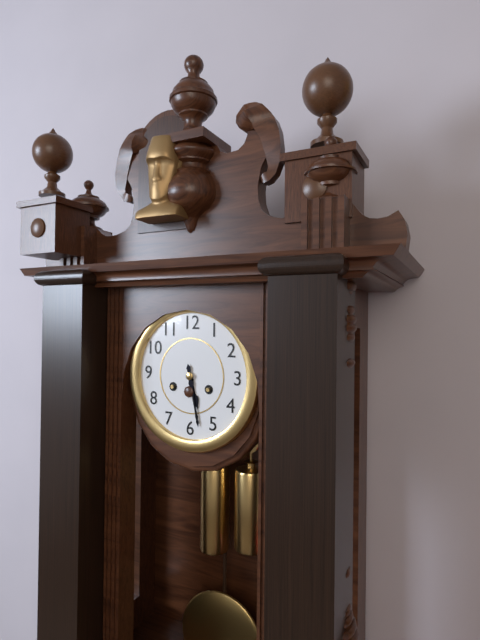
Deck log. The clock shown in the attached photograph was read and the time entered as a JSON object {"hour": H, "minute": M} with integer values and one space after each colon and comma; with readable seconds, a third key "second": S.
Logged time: {"hour": 5, "minute": 28}
